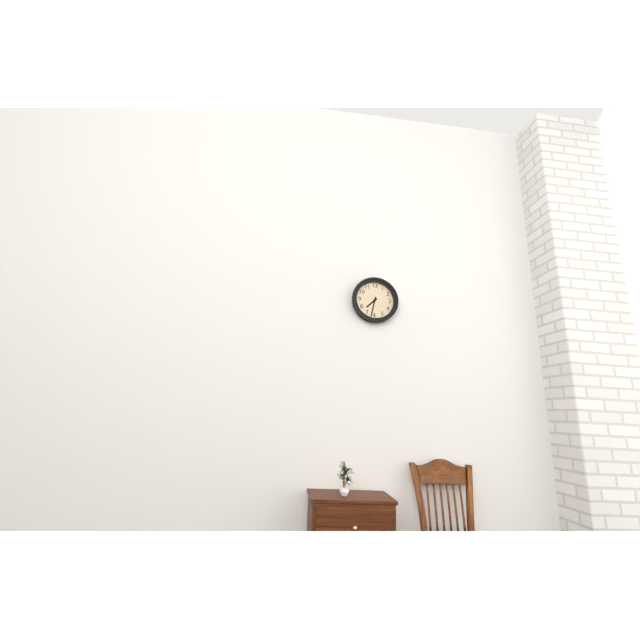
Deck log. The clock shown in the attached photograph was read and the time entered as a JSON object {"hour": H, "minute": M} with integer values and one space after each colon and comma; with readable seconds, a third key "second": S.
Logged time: {"hour": 7, "minute": 32}
